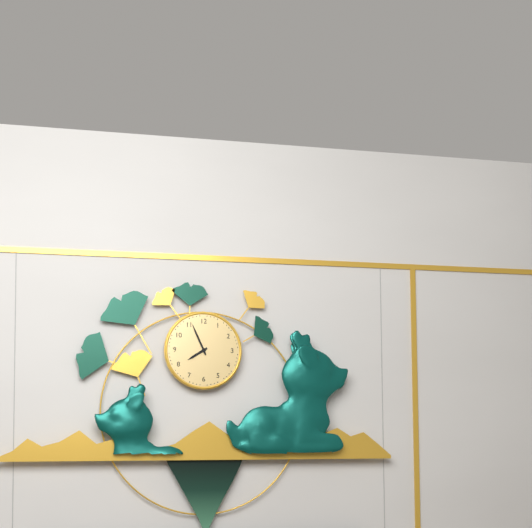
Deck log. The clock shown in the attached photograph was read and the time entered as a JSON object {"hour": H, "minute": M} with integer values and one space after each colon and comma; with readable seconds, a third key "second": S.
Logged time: {"hour": 7, "minute": 56}
